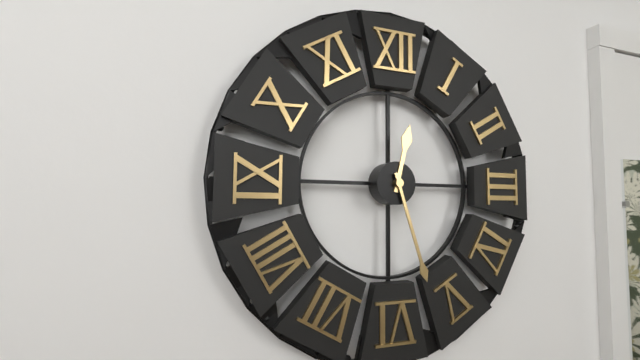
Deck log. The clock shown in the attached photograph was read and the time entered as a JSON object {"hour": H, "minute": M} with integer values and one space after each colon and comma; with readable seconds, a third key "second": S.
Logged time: {"hour": 12, "minute": 27}
